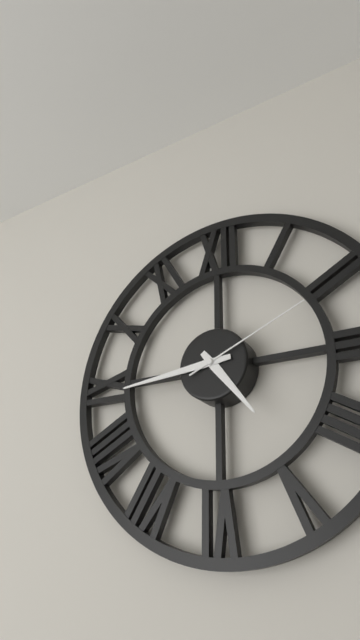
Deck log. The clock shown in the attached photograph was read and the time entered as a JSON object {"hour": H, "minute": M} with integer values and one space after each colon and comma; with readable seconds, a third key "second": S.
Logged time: {"hour": 4, "minute": 44, "second": 11}
